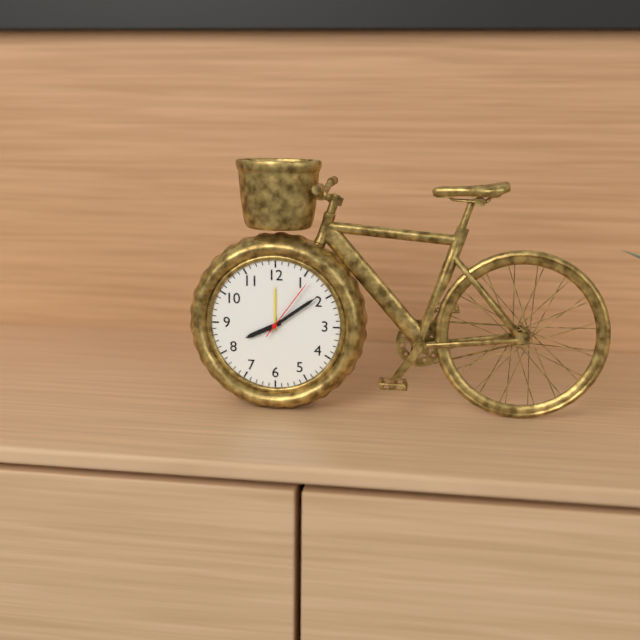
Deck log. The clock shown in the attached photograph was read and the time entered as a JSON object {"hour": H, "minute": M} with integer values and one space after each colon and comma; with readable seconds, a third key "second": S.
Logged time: {"hour": 8, "minute": 9, "second": 6}
